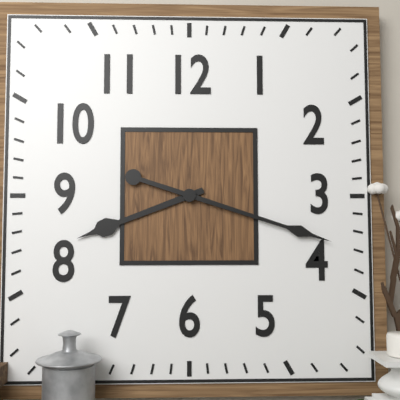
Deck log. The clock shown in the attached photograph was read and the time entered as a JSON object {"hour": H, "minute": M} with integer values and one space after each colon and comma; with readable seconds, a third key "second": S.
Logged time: {"hour": 8, "minute": 18}
